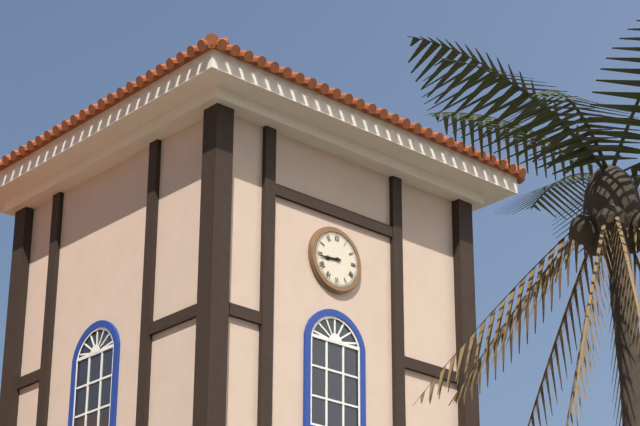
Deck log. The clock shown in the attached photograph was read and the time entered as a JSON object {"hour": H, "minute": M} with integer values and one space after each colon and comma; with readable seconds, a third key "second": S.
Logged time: {"hour": 8, "minute": 44}
